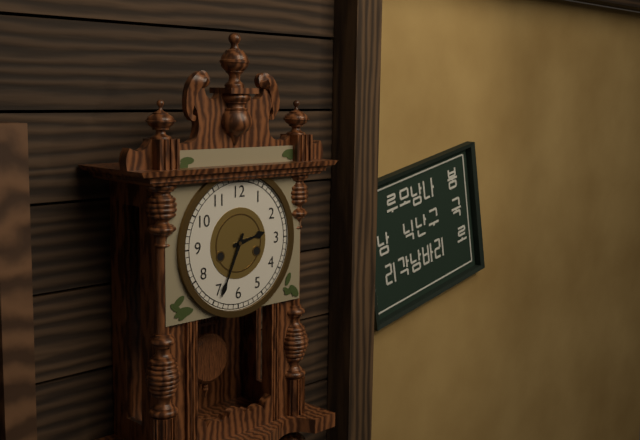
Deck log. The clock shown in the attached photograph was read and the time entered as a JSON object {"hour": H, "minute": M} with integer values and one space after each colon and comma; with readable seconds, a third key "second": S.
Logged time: {"hour": 2, "minute": 34}
